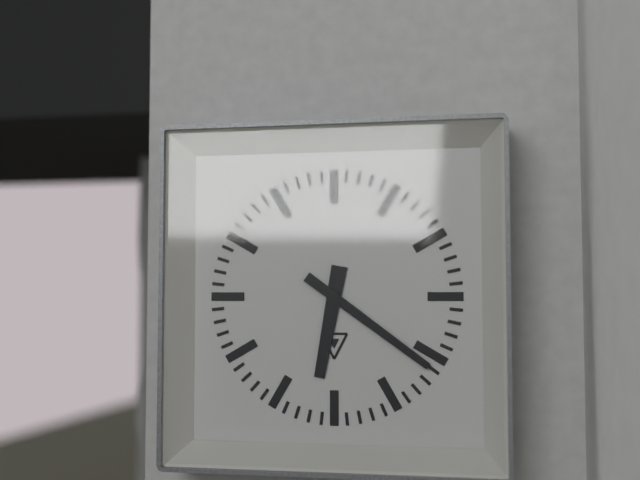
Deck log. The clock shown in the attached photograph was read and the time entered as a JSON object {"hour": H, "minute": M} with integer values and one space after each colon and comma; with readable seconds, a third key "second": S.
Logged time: {"hour": 6, "minute": 21}
